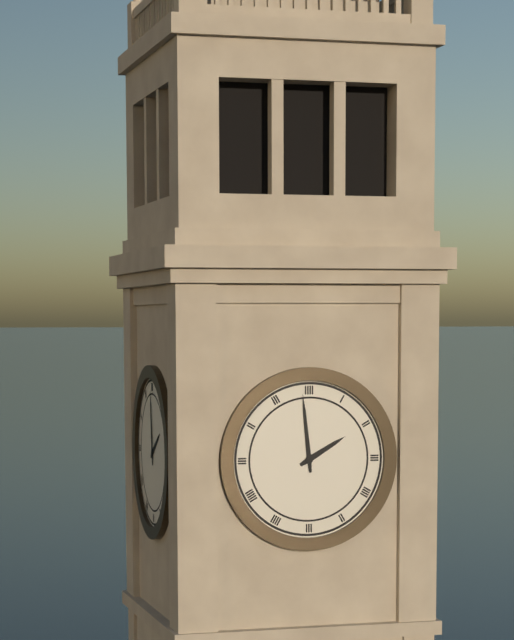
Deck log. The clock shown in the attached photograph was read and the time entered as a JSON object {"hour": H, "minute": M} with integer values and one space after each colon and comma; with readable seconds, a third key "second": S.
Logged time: {"hour": 1, "minute": 59}
